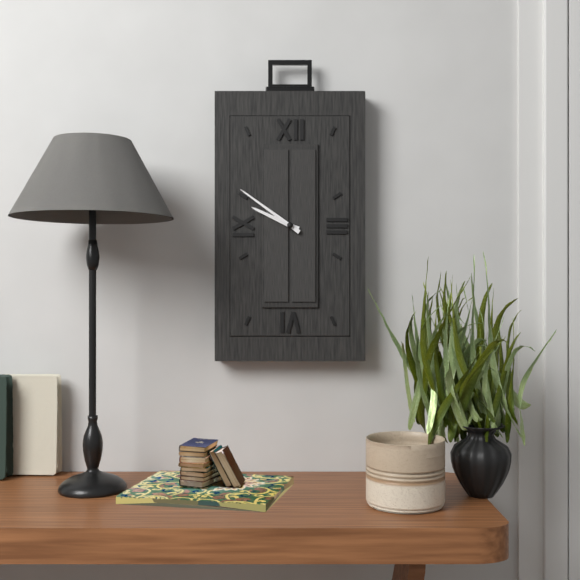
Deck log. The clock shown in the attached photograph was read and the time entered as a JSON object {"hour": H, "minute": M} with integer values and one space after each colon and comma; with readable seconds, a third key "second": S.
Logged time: {"hour": 9, "minute": 51}
